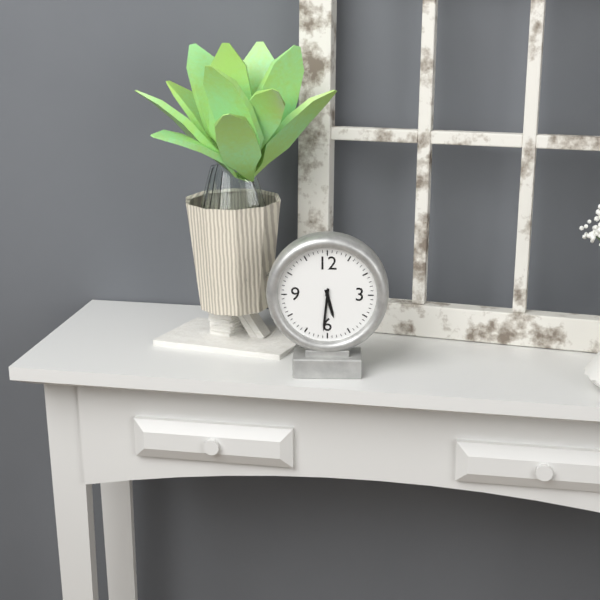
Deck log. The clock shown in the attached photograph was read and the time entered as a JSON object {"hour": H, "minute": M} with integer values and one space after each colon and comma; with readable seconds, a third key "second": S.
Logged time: {"hour": 5, "minute": 31}
